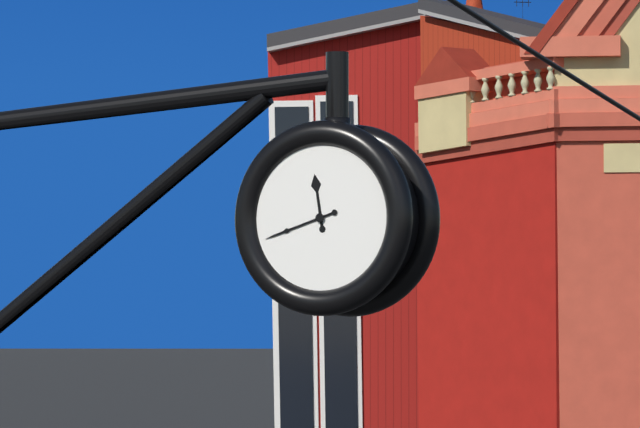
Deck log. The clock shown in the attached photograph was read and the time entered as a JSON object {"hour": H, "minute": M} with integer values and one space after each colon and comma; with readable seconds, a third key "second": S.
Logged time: {"hour": 11, "minute": 42}
